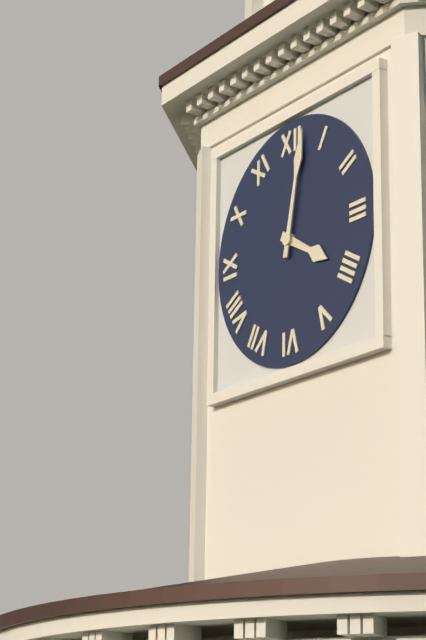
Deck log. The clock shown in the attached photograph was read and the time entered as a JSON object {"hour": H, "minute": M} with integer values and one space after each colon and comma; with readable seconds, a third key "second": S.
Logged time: {"hour": 4, "minute": 2}
